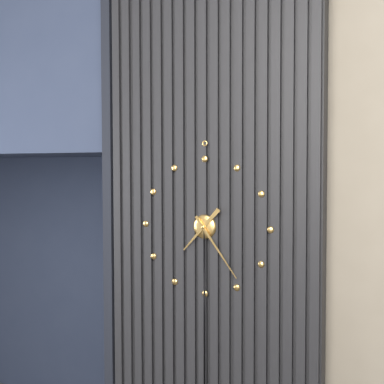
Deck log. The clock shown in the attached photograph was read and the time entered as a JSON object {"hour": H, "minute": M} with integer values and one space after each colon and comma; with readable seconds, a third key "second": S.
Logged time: {"hour": 7, "minute": 24}
